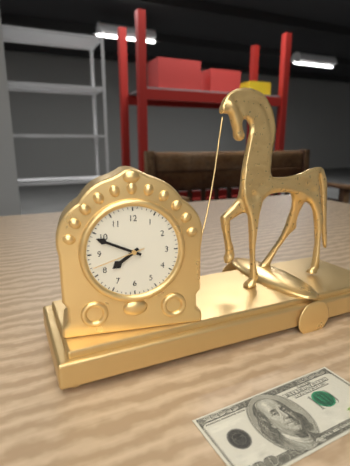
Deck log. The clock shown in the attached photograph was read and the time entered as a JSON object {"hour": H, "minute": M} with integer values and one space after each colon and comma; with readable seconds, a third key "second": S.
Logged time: {"hour": 7, "minute": 49, "second": 42}
